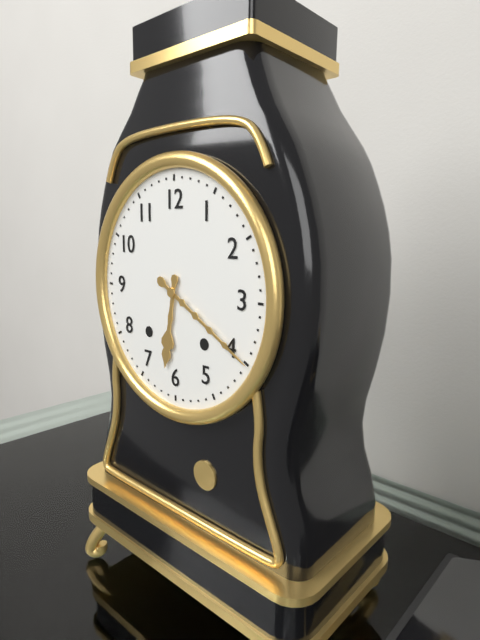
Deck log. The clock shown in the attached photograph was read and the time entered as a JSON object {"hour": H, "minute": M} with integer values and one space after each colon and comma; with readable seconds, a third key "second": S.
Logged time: {"hour": 6, "minute": 20}
